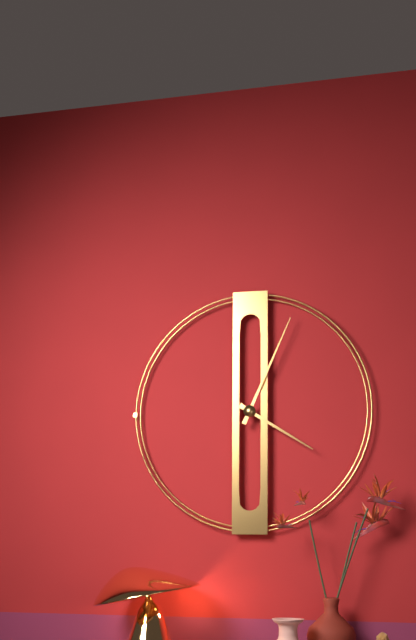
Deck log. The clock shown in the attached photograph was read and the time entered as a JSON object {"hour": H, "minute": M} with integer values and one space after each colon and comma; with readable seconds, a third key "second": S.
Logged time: {"hour": 4, "minute": 4}
